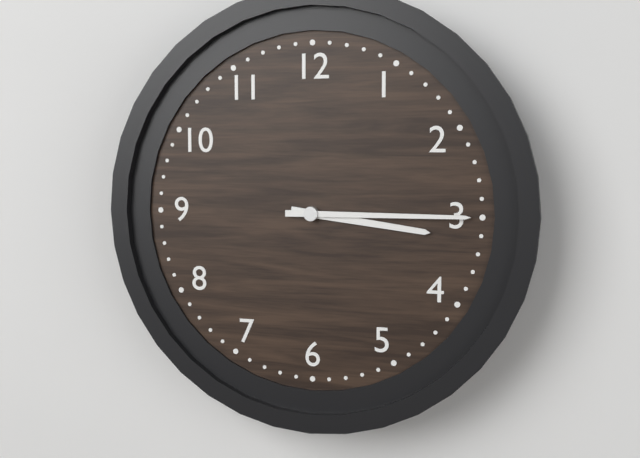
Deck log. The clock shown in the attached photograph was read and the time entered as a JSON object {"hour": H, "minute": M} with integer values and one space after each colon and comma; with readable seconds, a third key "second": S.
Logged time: {"hour": 3, "minute": 15}
